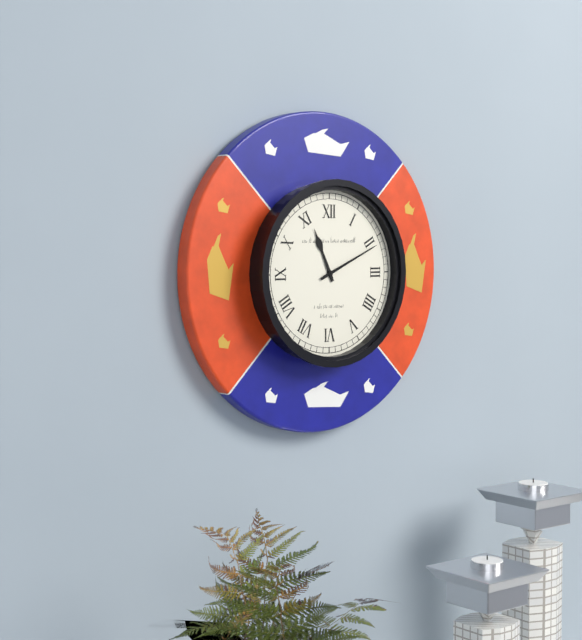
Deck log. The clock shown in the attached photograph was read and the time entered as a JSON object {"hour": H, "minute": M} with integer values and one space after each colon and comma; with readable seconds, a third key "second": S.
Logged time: {"hour": 11, "minute": 11}
